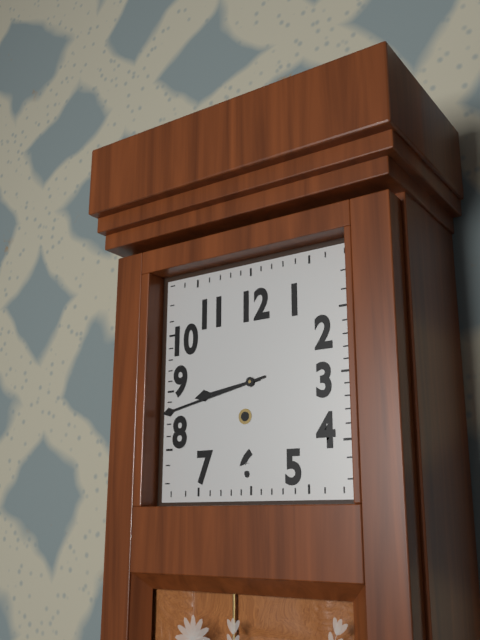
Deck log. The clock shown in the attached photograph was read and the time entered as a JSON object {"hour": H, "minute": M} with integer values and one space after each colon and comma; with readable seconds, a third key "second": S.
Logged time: {"hour": 8, "minute": 43}
